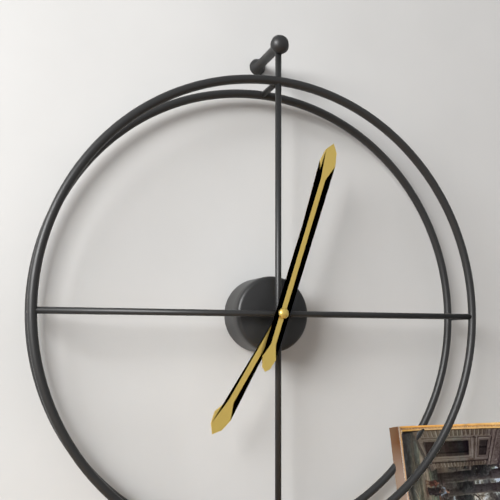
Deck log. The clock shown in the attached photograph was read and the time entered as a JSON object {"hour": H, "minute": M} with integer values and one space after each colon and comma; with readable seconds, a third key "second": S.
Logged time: {"hour": 7, "minute": 3}
